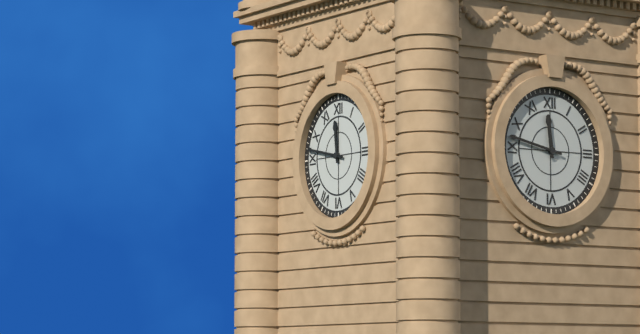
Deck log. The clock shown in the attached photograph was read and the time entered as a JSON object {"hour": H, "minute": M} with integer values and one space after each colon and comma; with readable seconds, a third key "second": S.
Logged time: {"hour": 11, "minute": 47}
